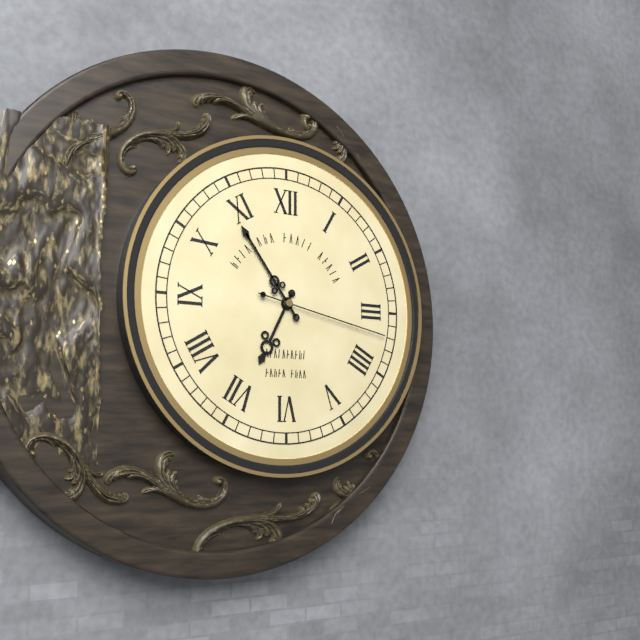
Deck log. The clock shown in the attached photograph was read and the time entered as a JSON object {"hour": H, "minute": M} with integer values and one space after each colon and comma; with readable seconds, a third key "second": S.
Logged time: {"hour": 6, "minute": 54, "second": 17}
